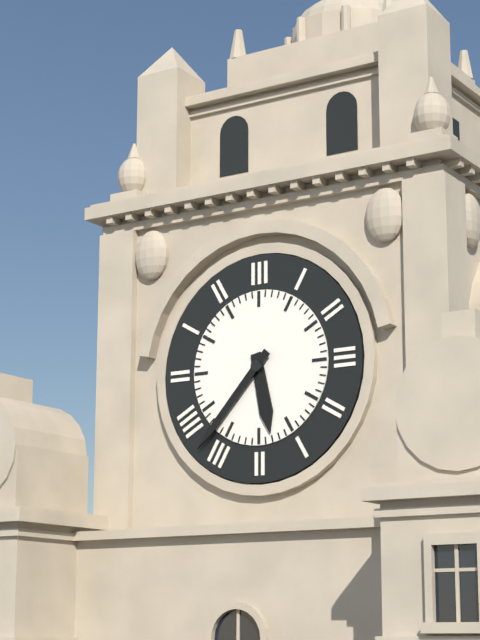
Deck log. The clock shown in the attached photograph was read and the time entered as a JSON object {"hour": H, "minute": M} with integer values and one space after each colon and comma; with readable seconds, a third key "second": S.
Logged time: {"hour": 5, "minute": 37}
